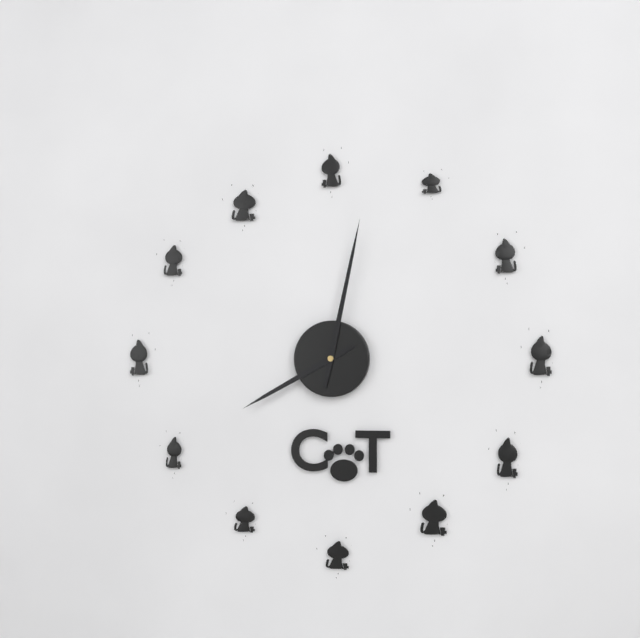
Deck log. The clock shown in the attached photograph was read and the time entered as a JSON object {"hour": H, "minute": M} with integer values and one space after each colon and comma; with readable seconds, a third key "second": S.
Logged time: {"hour": 8, "minute": 2}
